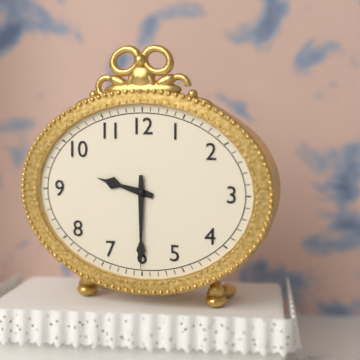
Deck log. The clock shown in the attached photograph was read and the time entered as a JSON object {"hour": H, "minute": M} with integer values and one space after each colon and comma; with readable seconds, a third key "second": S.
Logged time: {"hour": 9, "minute": 30}
